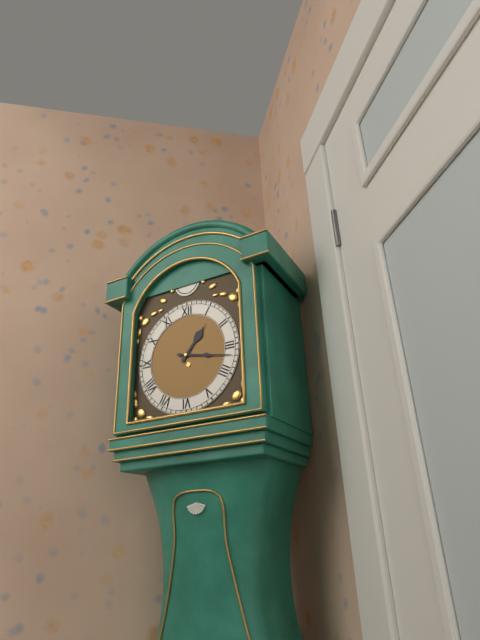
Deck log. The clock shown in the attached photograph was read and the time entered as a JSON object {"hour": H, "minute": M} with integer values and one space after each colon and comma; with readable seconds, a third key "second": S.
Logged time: {"hour": 1, "minute": 17}
